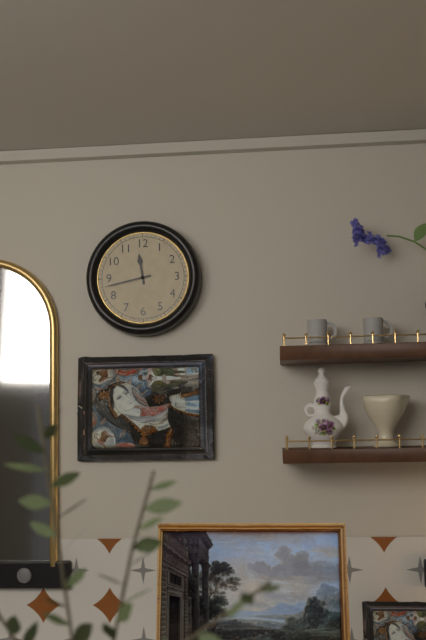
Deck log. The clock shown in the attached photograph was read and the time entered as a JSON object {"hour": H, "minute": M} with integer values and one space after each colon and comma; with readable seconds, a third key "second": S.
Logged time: {"hour": 11, "minute": 43}
